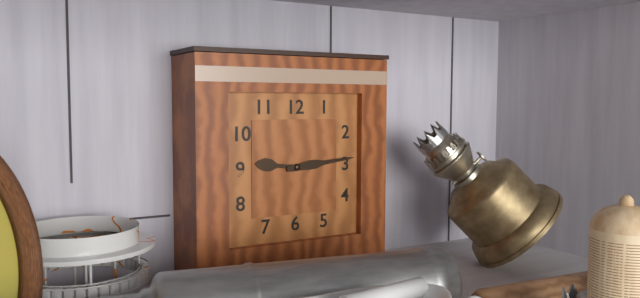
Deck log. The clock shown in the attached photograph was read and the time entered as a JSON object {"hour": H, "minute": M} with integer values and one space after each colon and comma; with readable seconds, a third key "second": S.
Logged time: {"hour": 9, "minute": 14}
